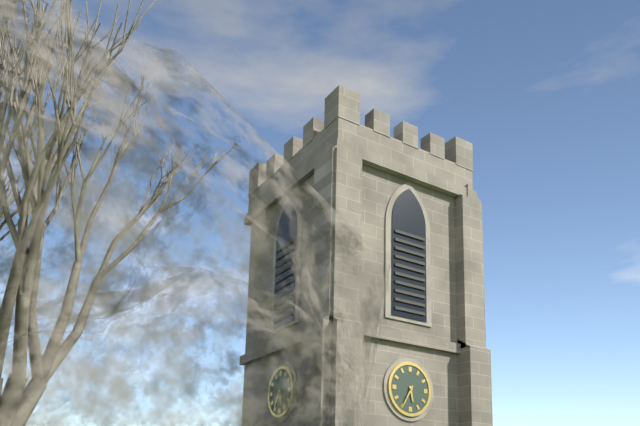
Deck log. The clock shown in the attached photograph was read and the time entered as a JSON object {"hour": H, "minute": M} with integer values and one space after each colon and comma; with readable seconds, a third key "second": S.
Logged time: {"hour": 5, "minute": 35}
